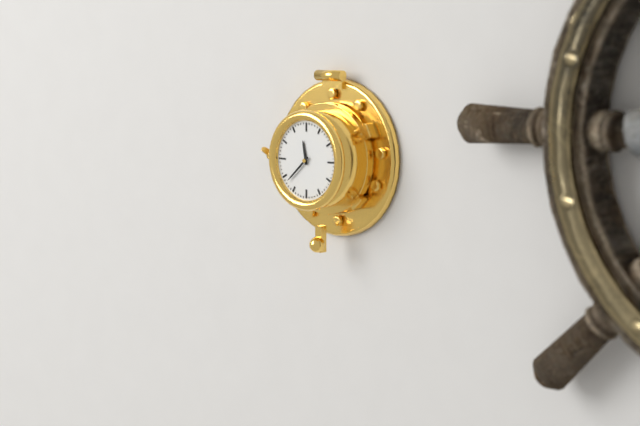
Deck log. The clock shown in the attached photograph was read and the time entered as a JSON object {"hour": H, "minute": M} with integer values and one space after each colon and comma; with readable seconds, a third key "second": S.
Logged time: {"hour": 11, "minute": 38}
